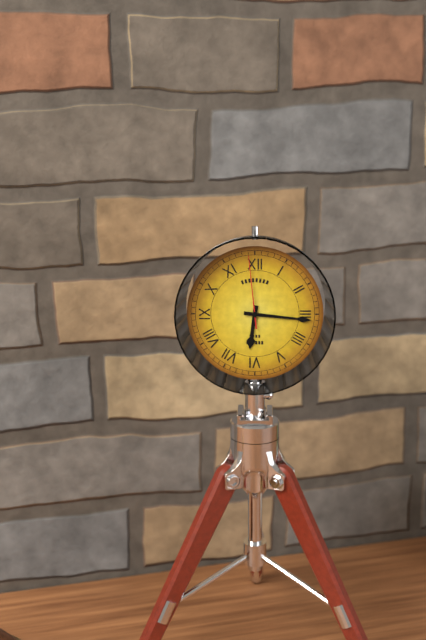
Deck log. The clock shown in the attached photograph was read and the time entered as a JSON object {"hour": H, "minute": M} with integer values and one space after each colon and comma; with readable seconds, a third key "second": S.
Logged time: {"hour": 6, "minute": 16, "second": 59}
